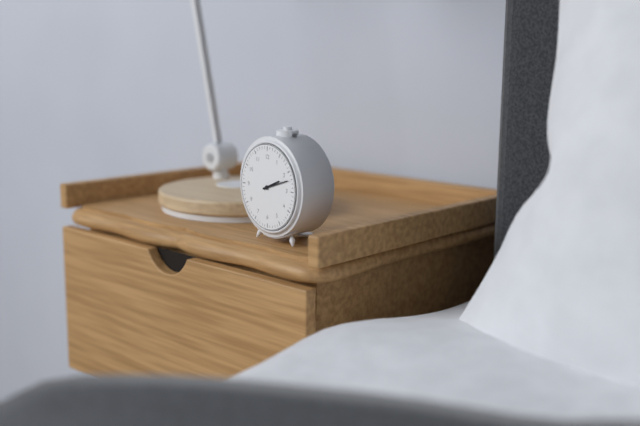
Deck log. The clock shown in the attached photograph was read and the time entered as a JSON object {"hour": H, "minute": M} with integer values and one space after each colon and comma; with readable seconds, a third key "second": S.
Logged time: {"hour": 2, "minute": 12}
